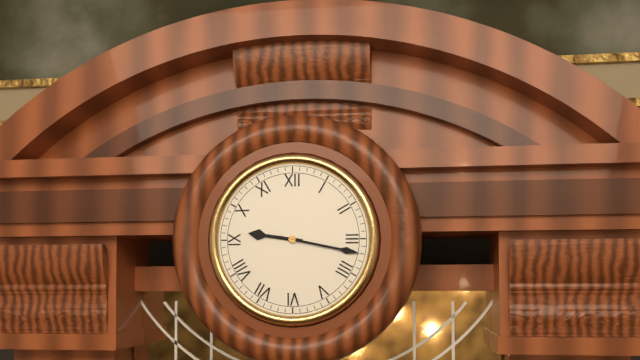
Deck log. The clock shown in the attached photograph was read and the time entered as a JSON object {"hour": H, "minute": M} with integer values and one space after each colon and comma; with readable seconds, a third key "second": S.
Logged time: {"hour": 9, "minute": 17}
